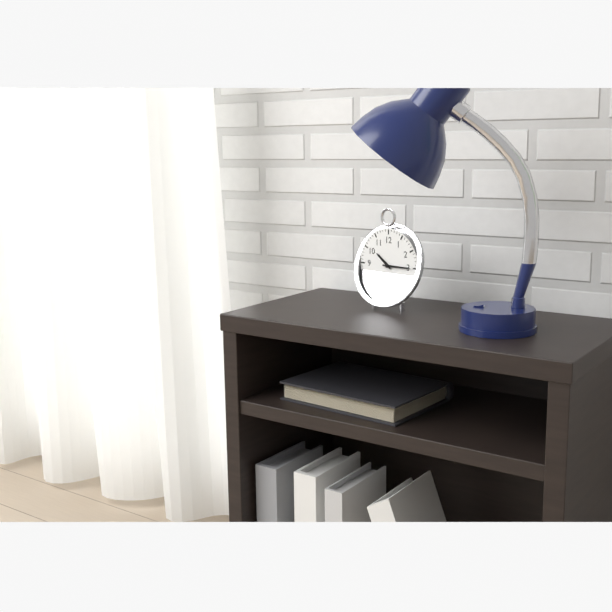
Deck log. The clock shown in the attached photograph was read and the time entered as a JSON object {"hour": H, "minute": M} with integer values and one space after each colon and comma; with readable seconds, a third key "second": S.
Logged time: {"hour": 10, "minute": 15}
